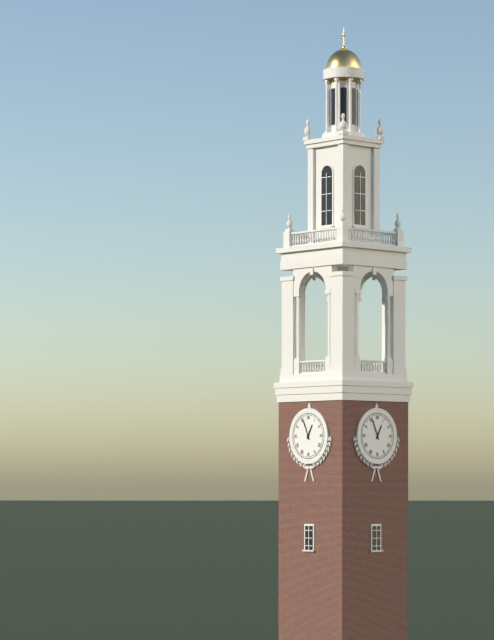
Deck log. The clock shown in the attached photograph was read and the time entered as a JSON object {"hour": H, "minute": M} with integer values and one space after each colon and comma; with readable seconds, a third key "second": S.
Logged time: {"hour": 12, "minute": 56}
